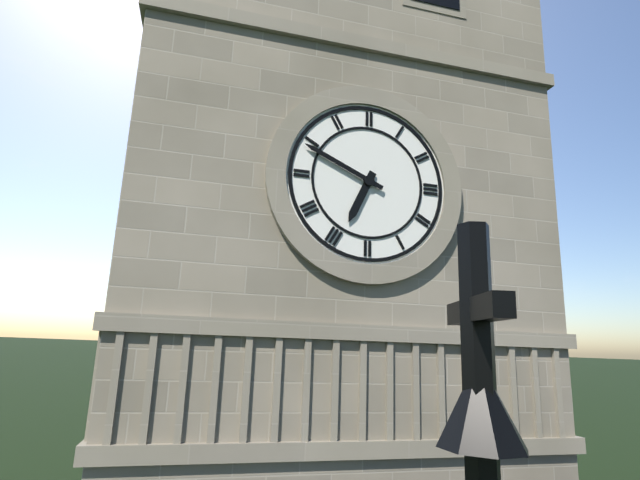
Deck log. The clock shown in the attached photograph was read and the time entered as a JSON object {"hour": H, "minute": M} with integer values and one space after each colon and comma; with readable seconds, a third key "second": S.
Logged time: {"hour": 6, "minute": 49}
